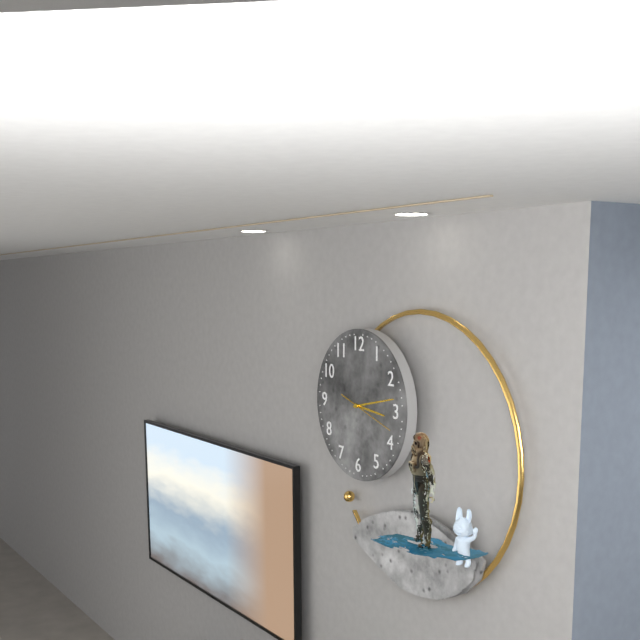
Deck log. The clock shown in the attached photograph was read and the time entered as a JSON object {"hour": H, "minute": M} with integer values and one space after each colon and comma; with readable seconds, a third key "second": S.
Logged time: {"hour": 3, "minute": 13, "second": 18}
